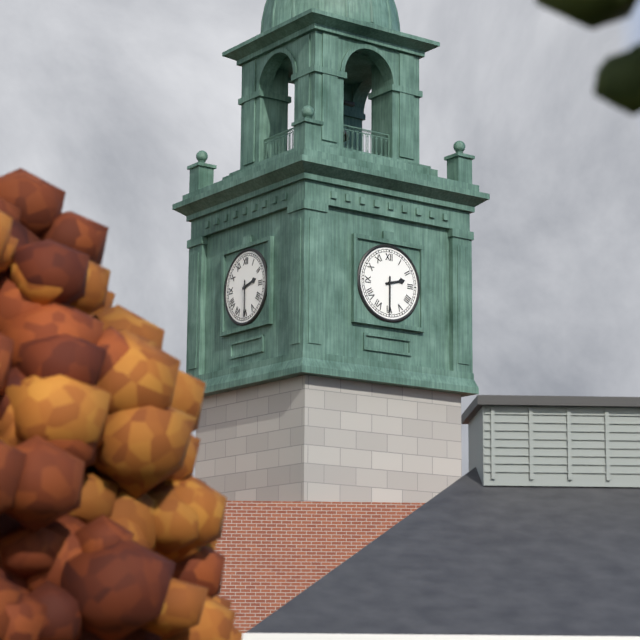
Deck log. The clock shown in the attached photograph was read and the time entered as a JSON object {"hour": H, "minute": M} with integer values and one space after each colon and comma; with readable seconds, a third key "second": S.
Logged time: {"hour": 2, "minute": 30}
